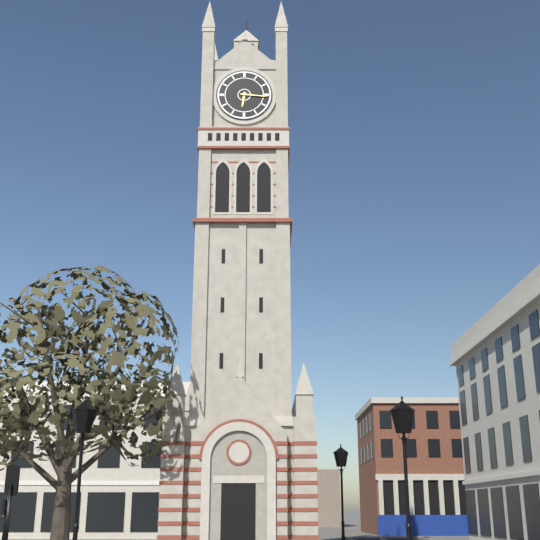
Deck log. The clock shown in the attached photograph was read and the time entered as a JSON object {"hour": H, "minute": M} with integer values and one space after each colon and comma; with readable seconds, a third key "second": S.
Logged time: {"hour": 6, "minute": 16}
